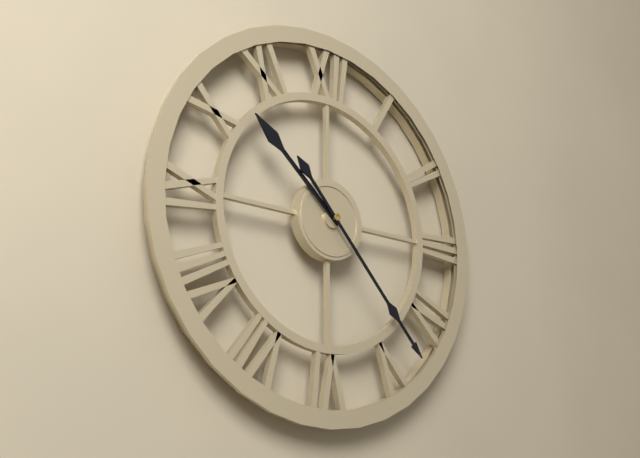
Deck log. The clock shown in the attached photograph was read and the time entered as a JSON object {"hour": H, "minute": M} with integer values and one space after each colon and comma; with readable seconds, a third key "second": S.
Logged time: {"hour": 10, "minute": 23}
